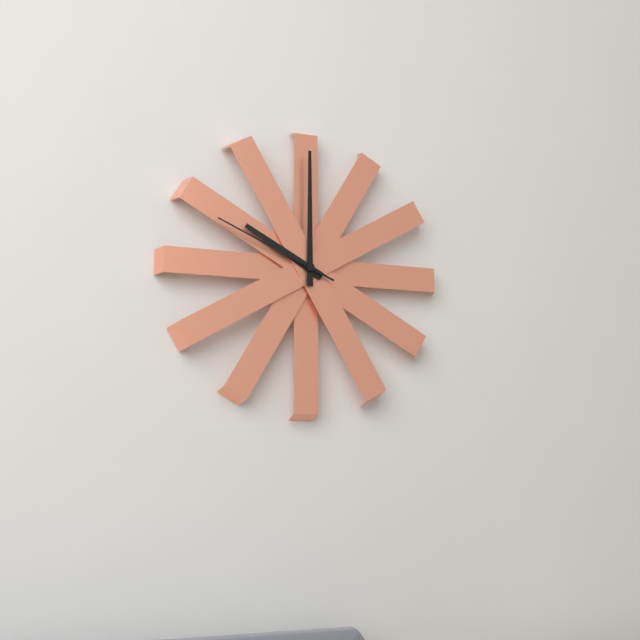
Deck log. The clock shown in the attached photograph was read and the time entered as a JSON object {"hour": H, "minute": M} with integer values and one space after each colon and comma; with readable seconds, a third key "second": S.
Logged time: {"hour": 10, "minute": 0, "second": 49}
